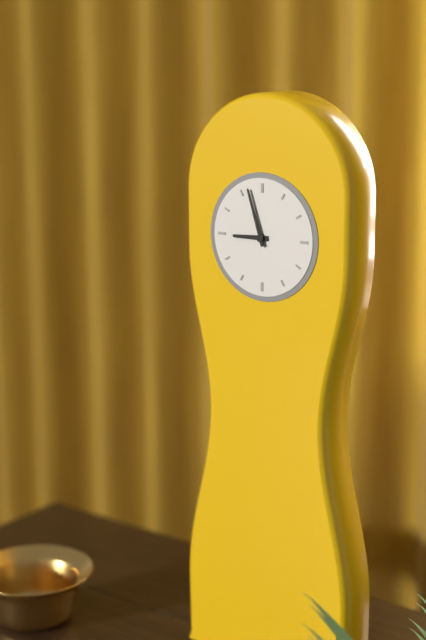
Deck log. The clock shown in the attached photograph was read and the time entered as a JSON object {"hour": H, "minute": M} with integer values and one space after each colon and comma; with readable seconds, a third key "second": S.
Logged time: {"hour": 8, "minute": 57}
